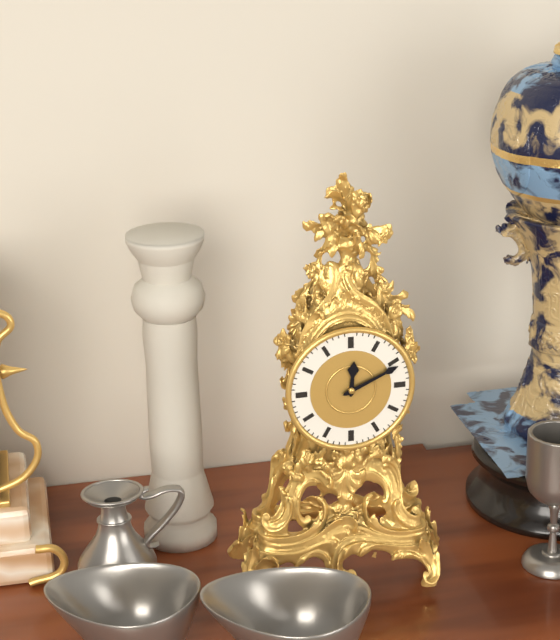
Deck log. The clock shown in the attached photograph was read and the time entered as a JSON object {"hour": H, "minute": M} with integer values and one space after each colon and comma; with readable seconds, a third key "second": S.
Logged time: {"hour": 12, "minute": 11}
